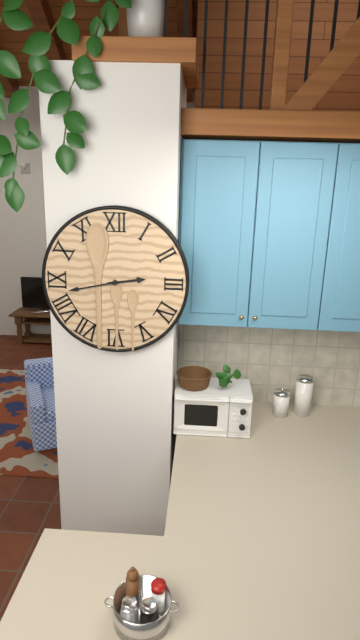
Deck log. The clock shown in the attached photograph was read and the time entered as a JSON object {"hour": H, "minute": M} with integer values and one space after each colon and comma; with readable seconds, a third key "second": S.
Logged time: {"hour": 2, "minute": 43}
